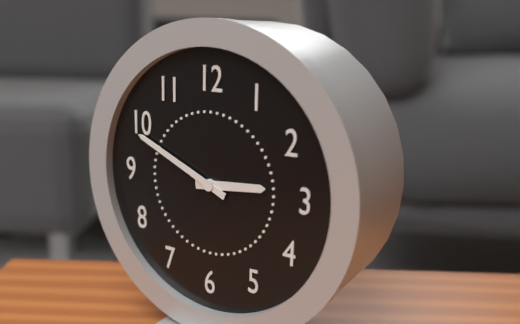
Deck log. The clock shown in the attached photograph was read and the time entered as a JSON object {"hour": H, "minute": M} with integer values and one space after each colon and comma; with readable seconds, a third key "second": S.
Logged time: {"hour": 2, "minute": 49}
